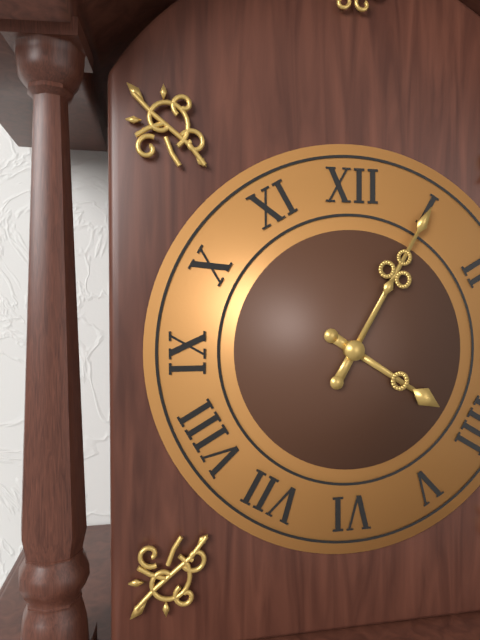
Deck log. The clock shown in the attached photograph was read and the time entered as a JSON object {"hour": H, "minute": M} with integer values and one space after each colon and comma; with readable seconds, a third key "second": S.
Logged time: {"hour": 4, "minute": 5}
